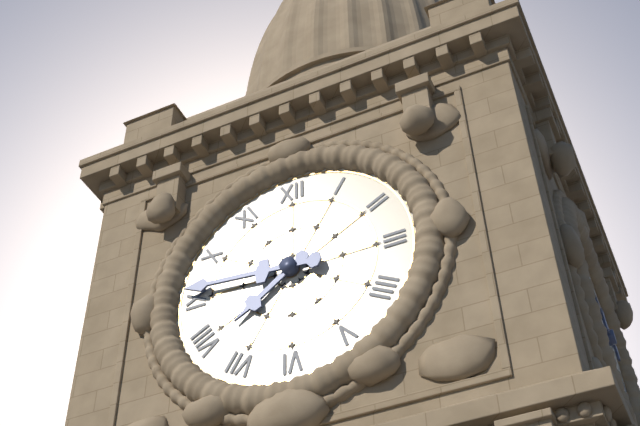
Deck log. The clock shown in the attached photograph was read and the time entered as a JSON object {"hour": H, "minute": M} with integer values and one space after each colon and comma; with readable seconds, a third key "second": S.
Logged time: {"hour": 7, "minute": 46}
